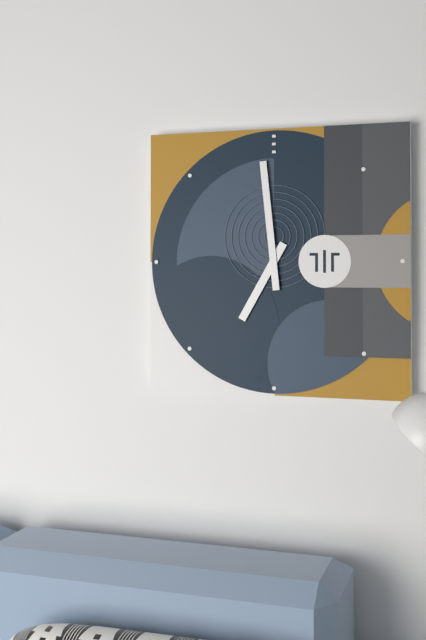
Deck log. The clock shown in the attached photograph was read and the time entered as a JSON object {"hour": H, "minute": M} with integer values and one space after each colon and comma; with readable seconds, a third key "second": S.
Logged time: {"hour": 6, "minute": 59}
